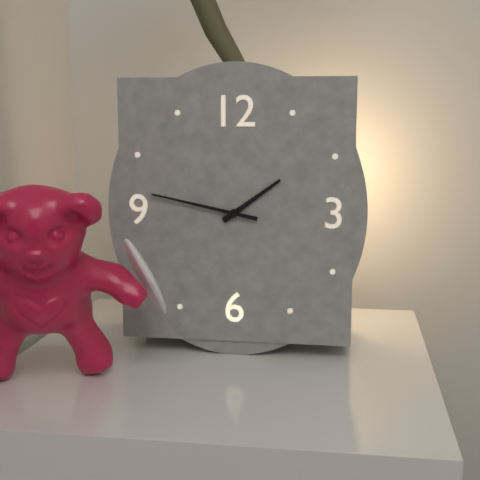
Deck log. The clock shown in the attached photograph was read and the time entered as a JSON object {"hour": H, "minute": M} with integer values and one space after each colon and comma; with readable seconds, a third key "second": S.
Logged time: {"hour": 1, "minute": 47}
